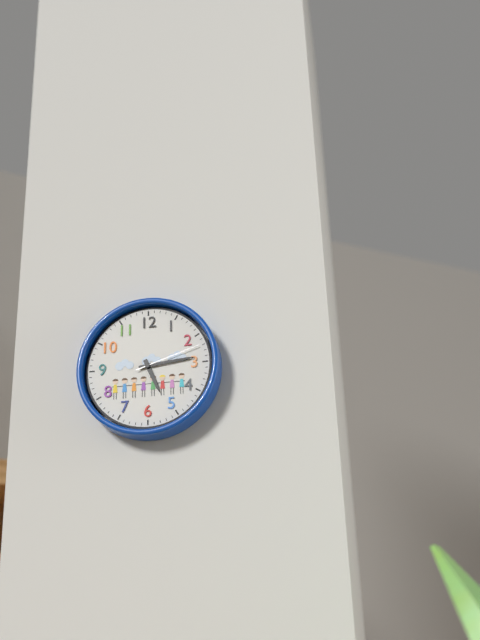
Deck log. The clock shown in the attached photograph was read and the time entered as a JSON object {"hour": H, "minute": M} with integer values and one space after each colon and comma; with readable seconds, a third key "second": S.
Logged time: {"hour": 5, "minute": 14, "second": 12}
